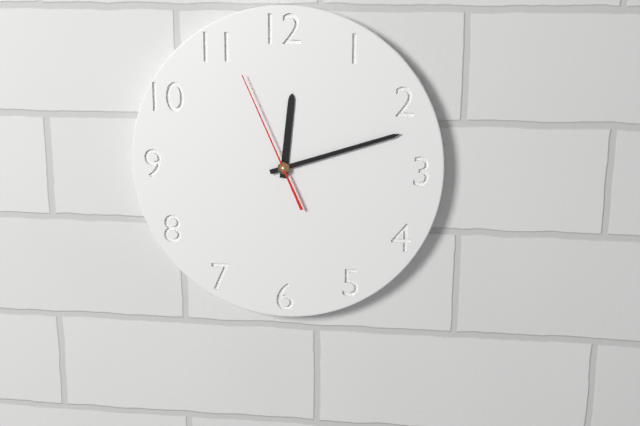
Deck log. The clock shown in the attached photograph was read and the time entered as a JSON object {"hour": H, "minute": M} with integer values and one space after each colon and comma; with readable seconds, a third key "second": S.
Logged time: {"hour": 12, "minute": 12, "second": 56}
